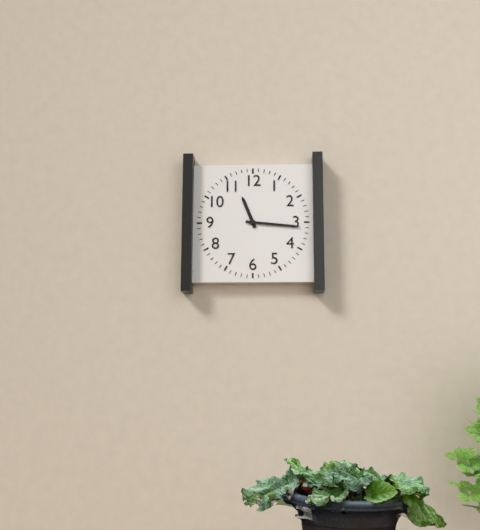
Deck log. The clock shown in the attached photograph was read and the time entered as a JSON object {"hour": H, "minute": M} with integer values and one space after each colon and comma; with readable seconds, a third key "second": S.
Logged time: {"hour": 11, "minute": 16}
